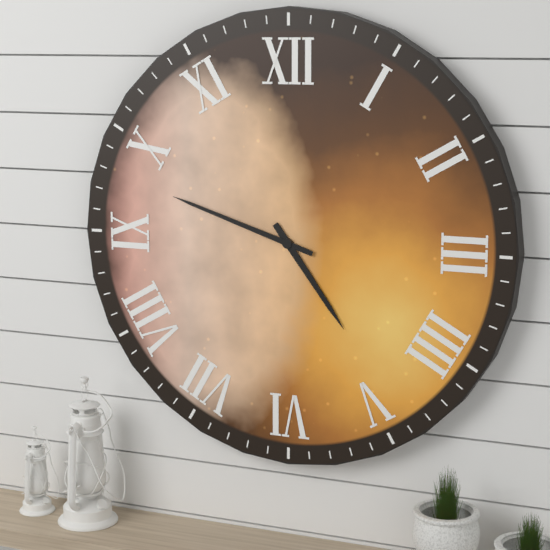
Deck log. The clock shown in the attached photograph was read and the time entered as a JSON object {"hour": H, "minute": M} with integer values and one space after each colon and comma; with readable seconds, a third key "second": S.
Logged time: {"hour": 4, "minute": 48}
